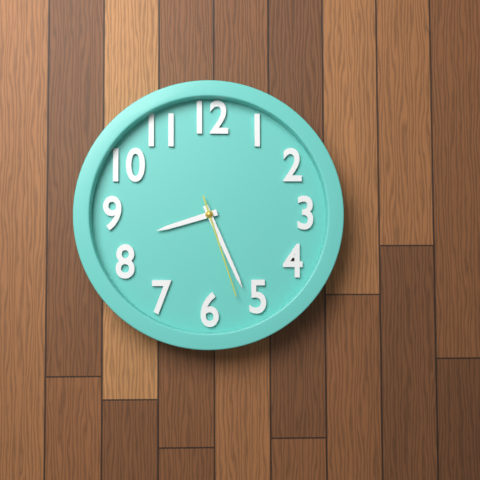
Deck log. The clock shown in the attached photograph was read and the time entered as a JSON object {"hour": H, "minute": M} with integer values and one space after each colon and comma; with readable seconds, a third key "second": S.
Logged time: {"hour": 8, "minute": 26, "second": 27}
